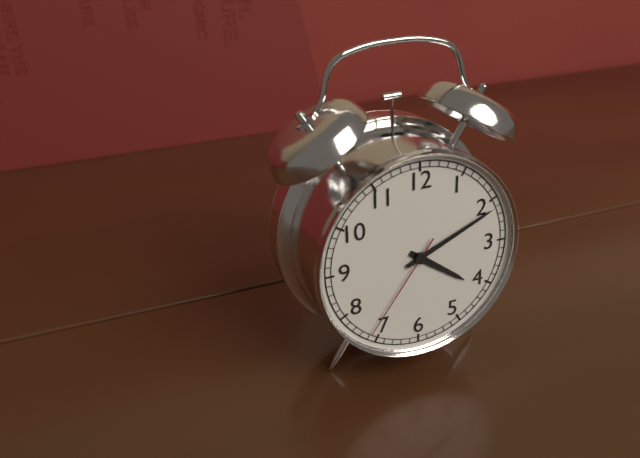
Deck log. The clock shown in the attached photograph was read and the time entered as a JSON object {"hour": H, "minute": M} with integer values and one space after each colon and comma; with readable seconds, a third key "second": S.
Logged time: {"hour": 4, "minute": 11, "second": 36}
